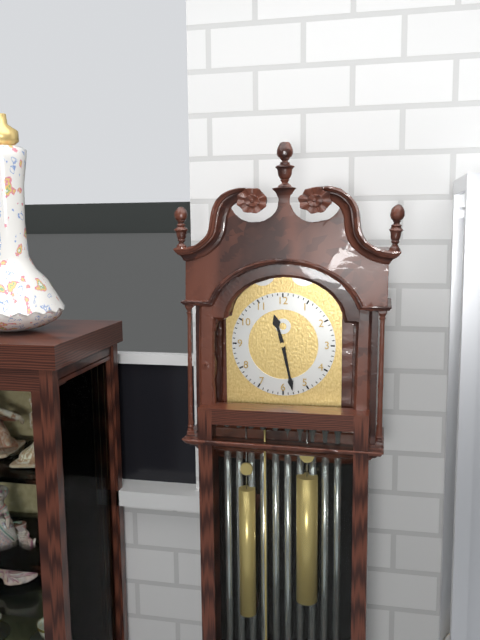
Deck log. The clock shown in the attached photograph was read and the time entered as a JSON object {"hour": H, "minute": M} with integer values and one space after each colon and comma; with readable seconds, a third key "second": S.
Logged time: {"hour": 11, "minute": 28}
